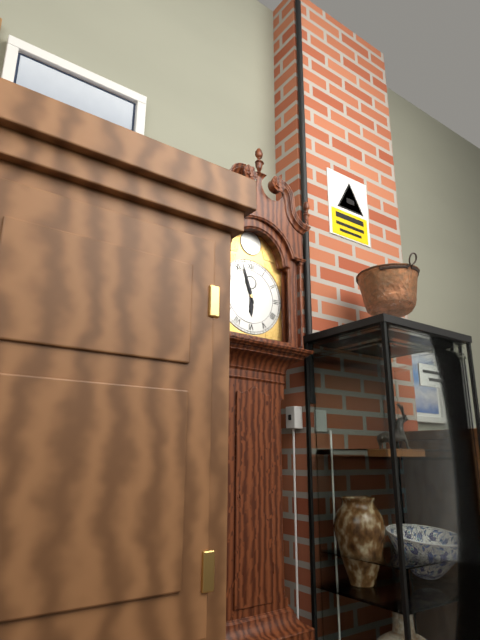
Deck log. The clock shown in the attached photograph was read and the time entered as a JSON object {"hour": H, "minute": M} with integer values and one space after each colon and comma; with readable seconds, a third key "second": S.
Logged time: {"hour": 5, "minute": 57}
